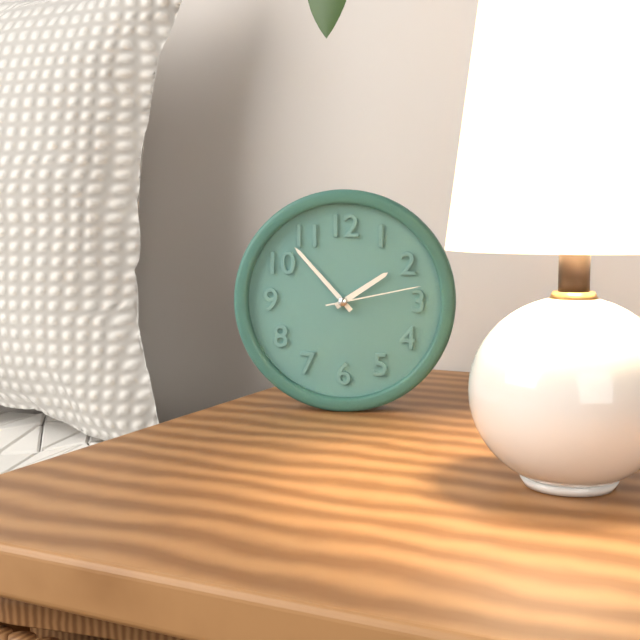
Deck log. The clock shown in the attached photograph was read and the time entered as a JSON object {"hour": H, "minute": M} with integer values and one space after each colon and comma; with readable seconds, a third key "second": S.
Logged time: {"hour": 1, "minute": 53, "second": 13}
